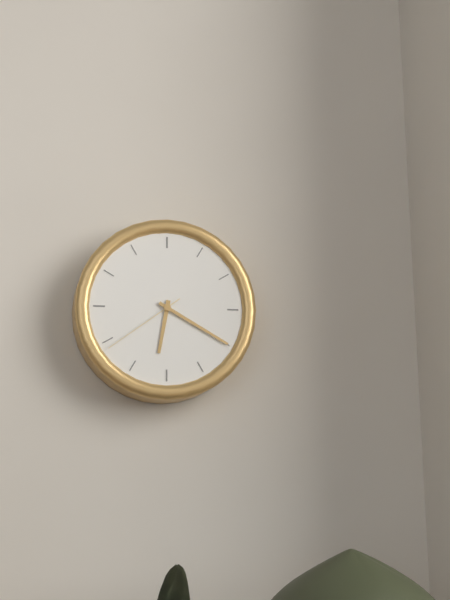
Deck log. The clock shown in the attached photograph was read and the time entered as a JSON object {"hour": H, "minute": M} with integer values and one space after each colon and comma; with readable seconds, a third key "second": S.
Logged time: {"hour": 6, "minute": 20, "second": 39}
